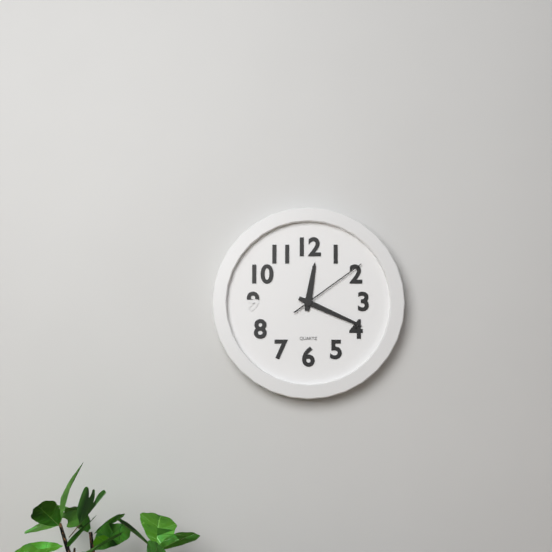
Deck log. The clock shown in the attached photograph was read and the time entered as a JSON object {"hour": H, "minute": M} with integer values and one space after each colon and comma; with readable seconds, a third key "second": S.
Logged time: {"hour": 12, "minute": 19, "second": 9}
